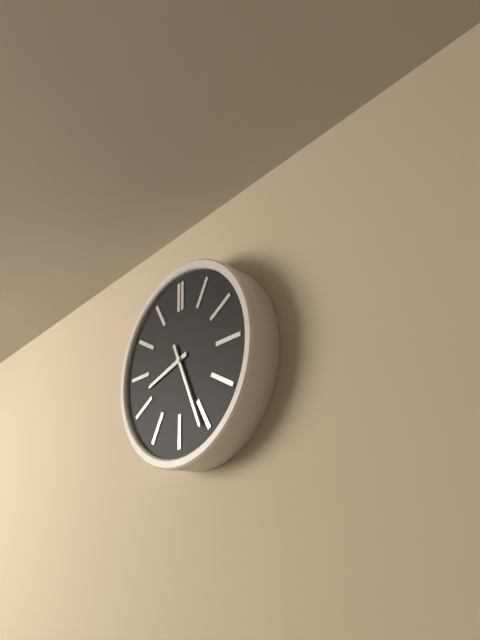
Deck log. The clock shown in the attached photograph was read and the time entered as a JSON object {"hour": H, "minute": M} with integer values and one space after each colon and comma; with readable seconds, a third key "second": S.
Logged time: {"hour": 8, "minute": 26}
